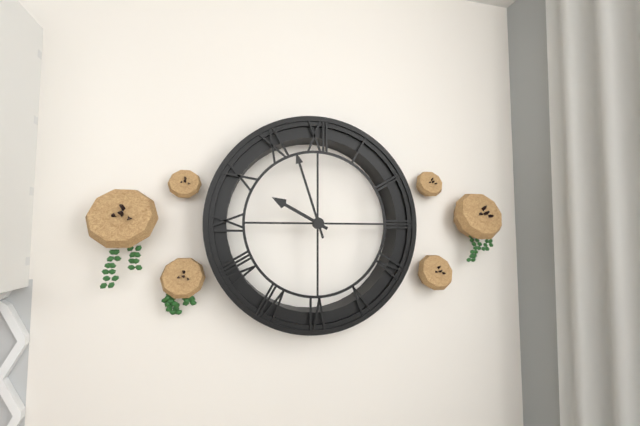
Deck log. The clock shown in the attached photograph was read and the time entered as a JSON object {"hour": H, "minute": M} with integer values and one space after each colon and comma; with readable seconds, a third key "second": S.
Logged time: {"hour": 9, "minute": 57}
